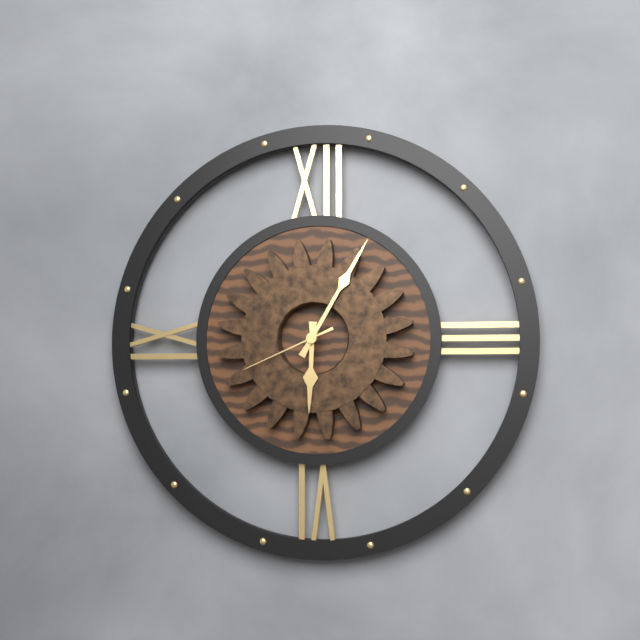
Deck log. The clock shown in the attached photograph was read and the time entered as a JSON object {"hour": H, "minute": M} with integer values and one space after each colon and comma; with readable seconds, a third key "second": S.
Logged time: {"hour": 6, "minute": 5, "second": 41}
